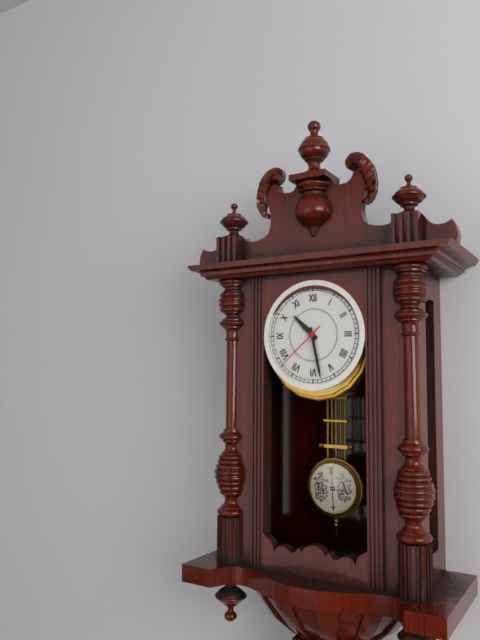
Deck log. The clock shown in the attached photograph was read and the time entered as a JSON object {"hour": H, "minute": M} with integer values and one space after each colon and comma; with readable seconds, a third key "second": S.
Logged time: {"hour": 10, "minute": 28, "second": 38}
